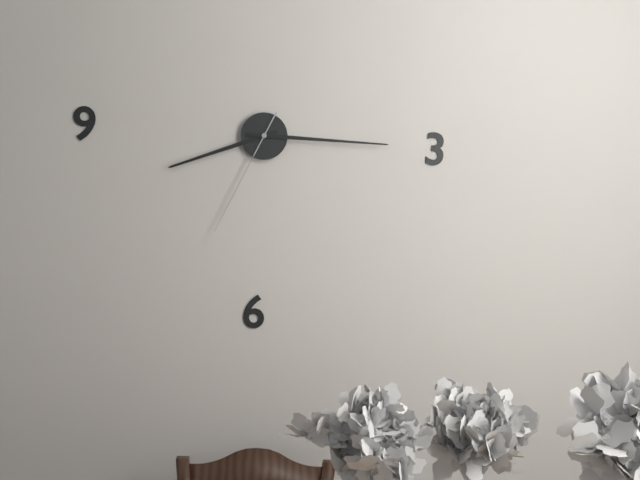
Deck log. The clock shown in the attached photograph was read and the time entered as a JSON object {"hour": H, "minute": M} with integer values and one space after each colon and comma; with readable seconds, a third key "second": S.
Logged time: {"hour": 8, "minute": 15, "second": 34}
